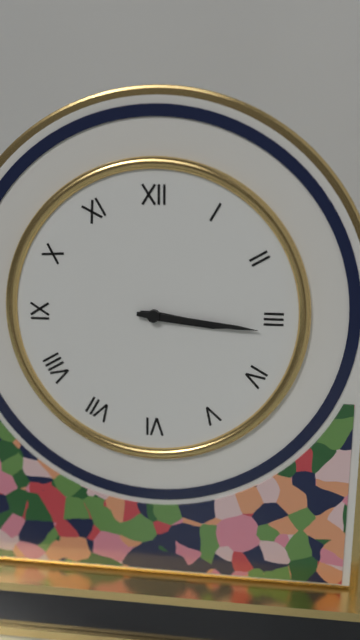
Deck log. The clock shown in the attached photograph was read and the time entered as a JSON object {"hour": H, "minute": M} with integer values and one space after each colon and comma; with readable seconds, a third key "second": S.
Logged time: {"hour": 3, "minute": 16}
